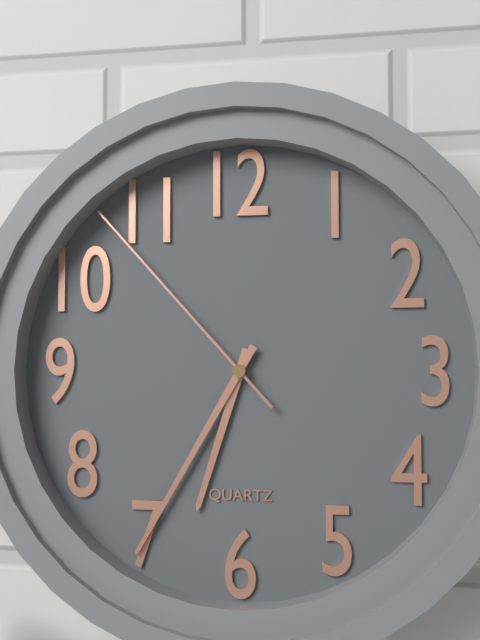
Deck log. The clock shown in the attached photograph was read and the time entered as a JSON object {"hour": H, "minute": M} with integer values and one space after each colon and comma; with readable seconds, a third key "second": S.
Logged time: {"hour": 6, "minute": 35, "second": 53}
